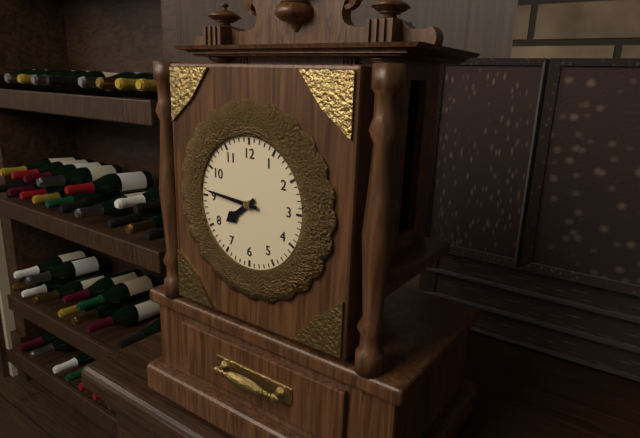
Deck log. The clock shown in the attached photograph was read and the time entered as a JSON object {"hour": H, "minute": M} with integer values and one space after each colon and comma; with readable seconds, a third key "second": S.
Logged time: {"hour": 7, "minute": 46}
